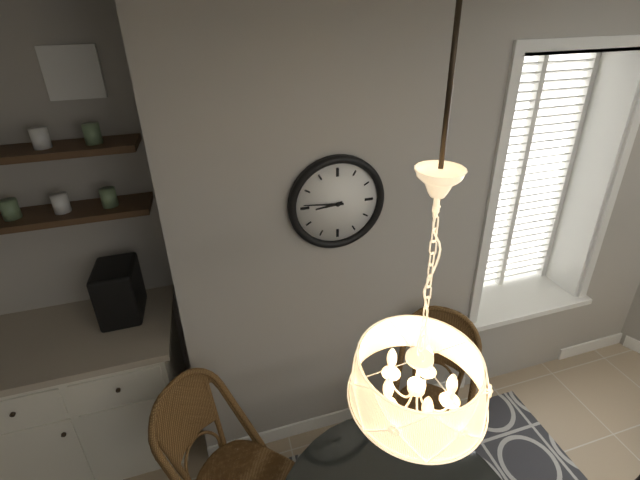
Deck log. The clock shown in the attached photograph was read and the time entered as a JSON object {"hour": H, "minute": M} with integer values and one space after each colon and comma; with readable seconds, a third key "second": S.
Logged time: {"hour": 8, "minute": 46}
